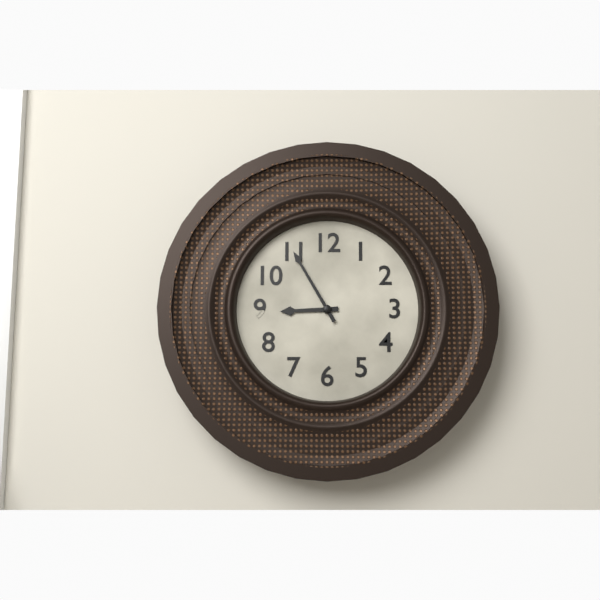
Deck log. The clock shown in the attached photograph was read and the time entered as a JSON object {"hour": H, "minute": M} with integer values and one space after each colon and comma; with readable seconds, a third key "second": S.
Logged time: {"hour": 8, "minute": 55}
